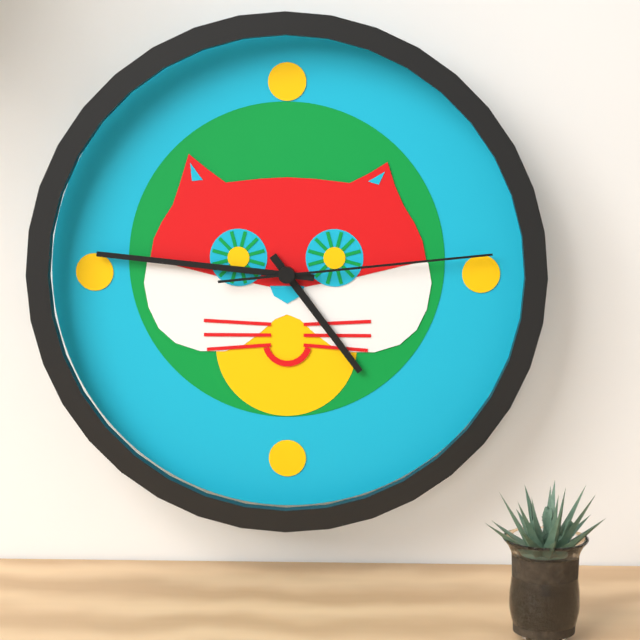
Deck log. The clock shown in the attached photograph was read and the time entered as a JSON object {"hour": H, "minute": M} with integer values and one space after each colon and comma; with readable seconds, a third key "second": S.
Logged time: {"hour": 4, "minute": 46, "second": 14}
